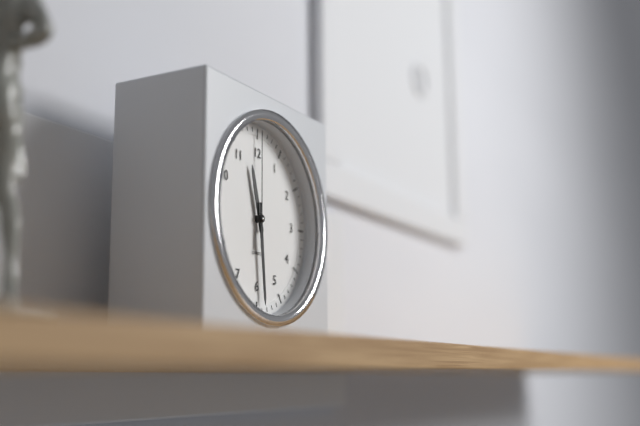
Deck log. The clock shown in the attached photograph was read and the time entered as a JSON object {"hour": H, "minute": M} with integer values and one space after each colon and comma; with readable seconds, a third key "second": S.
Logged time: {"hour": 11, "minute": 29, "second": 0}
